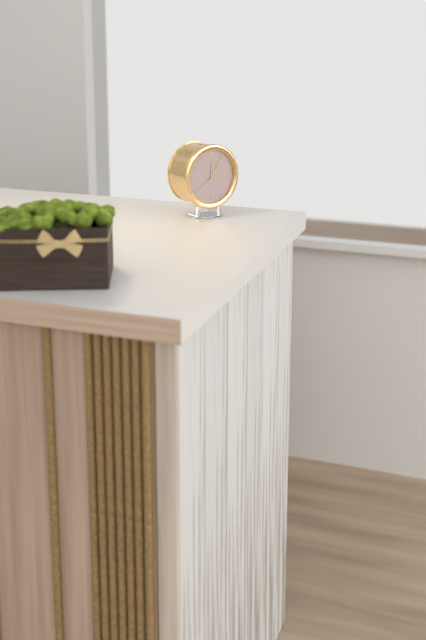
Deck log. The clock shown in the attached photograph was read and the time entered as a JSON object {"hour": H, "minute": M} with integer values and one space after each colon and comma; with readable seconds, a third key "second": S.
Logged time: {"hour": 12, "minute": 6}
